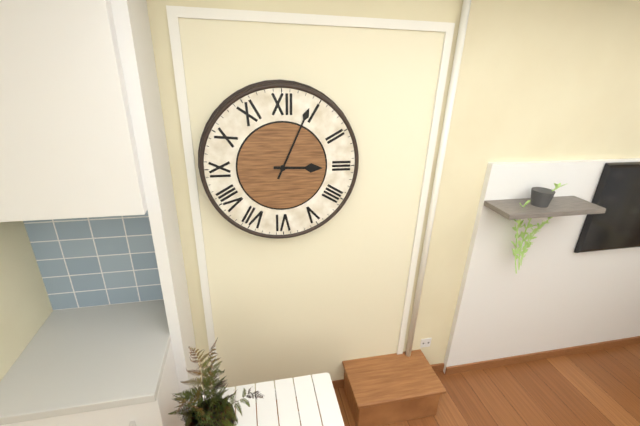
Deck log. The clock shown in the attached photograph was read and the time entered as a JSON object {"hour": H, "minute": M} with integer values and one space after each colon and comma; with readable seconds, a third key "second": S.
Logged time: {"hour": 3, "minute": 4}
